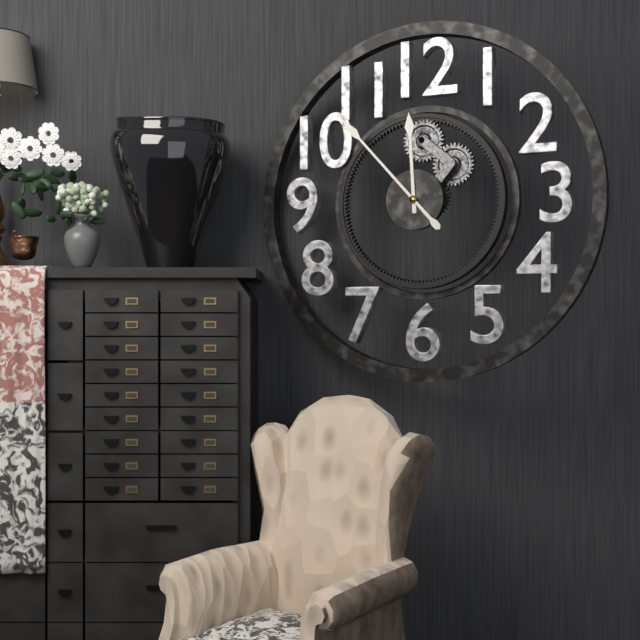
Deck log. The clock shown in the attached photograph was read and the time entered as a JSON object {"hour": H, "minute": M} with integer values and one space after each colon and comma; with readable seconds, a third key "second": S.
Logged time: {"hour": 11, "minute": 53}
